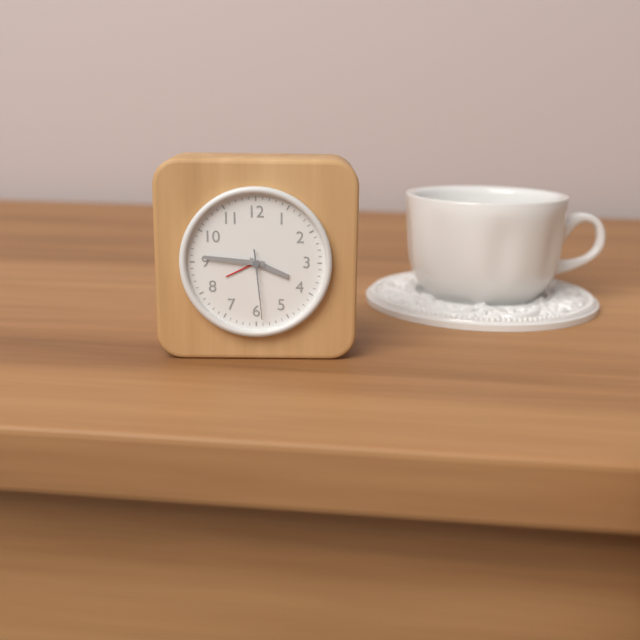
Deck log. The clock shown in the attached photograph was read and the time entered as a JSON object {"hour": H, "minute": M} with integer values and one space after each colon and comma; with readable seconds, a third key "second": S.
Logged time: {"hour": 3, "minute": 46, "second": 29}
